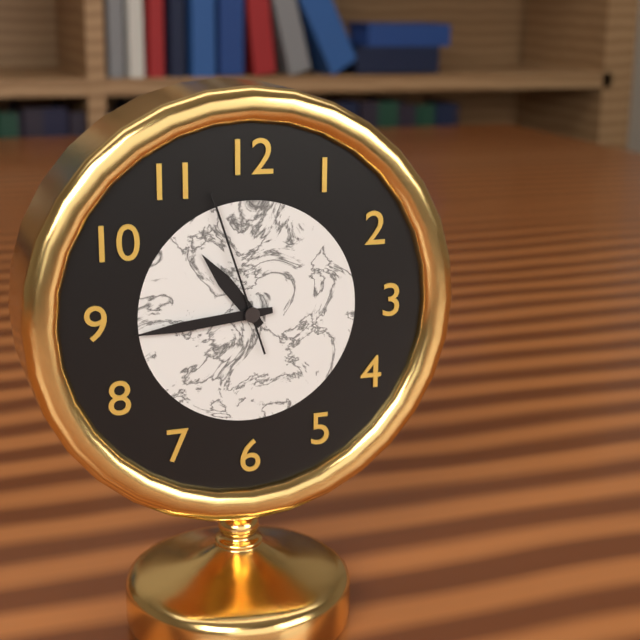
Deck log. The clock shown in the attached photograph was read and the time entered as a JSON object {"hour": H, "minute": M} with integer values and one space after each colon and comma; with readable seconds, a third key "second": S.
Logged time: {"hour": 10, "minute": 44, "second": 57}
